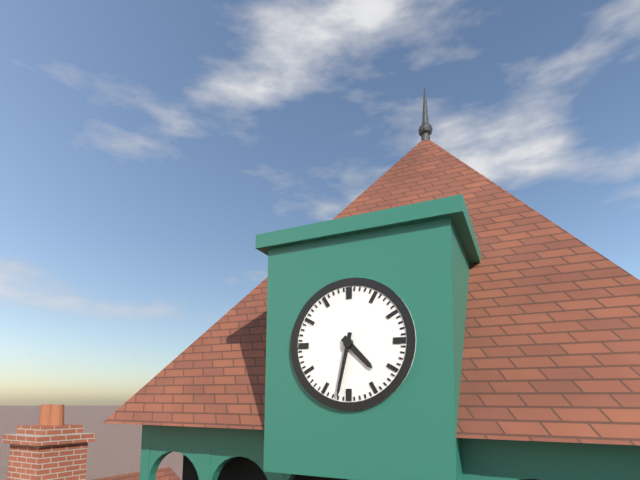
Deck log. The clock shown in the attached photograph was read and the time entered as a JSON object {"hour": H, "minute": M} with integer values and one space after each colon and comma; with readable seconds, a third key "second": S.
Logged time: {"hour": 4, "minute": 32}
